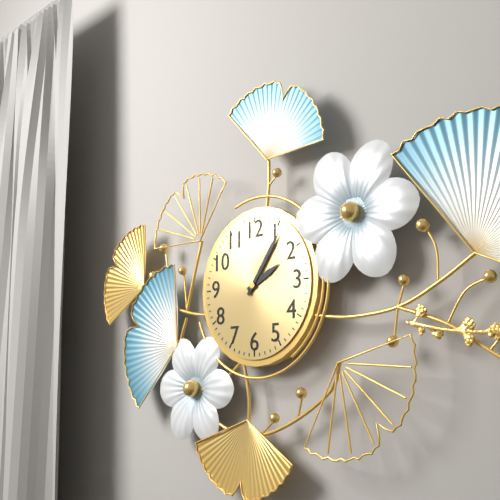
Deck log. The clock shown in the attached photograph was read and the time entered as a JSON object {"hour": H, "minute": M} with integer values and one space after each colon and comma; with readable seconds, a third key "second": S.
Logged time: {"hour": 2, "minute": 6}
